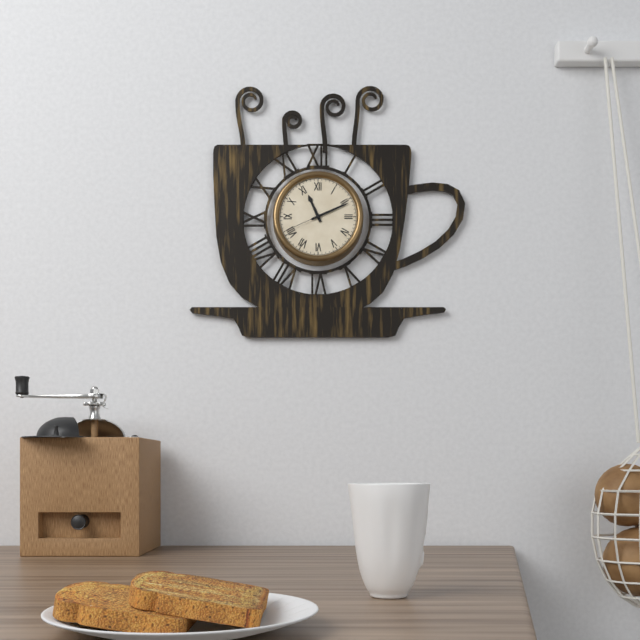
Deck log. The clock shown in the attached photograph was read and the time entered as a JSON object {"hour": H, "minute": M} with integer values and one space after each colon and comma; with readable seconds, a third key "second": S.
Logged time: {"hour": 11, "minute": 11}
